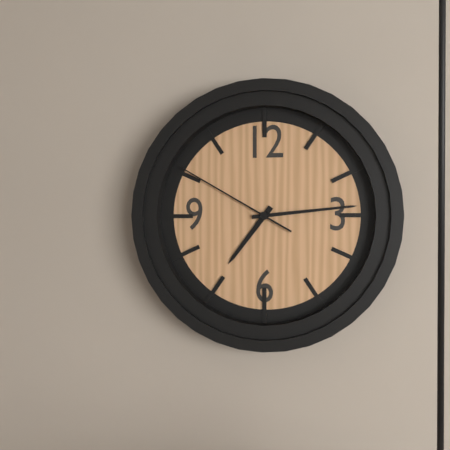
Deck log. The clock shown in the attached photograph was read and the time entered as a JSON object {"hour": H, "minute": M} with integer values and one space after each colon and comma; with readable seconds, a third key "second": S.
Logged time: {"hour": 7, "minute": 14, "second": 50}
